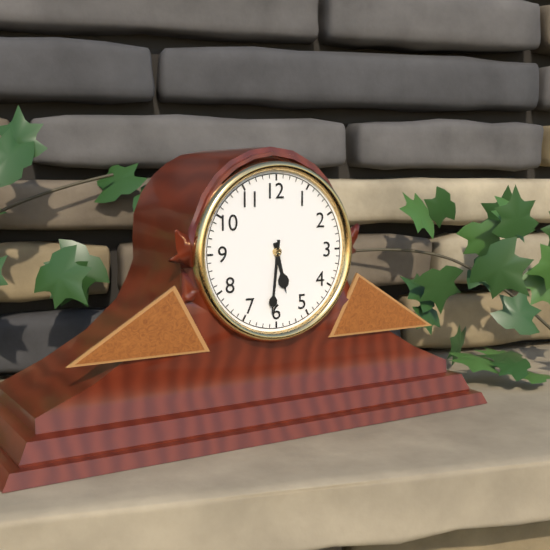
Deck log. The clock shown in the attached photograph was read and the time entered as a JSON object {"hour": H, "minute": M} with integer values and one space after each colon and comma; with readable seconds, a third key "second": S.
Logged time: {"hour": 5, "minute": 31}
